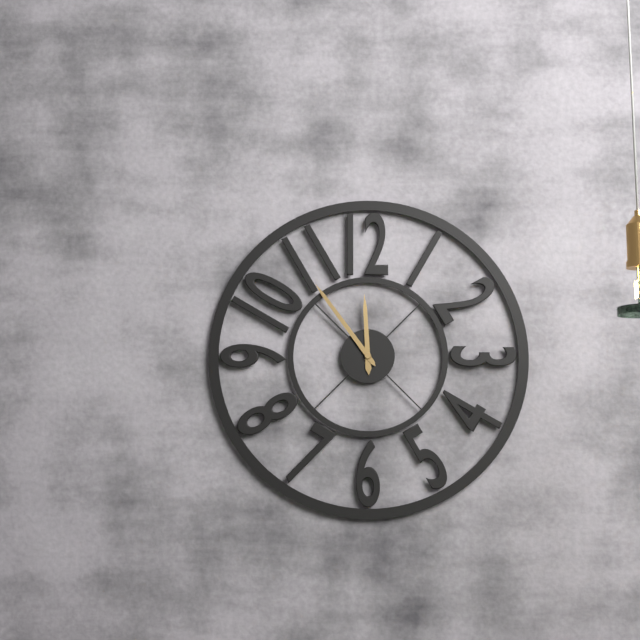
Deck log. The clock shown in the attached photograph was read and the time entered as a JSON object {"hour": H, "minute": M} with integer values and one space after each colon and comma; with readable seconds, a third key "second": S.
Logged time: {"hour": 11, "minute": 54}
